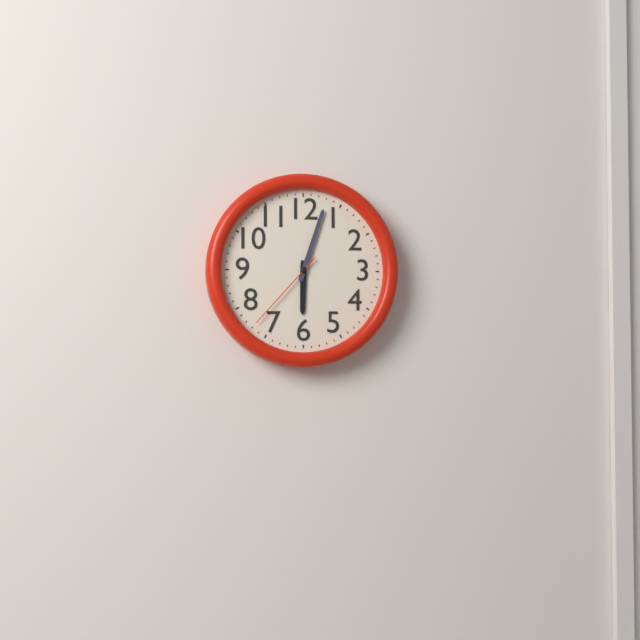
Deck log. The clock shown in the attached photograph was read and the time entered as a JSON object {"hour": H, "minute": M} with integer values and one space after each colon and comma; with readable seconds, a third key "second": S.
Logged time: {"hour": 6, "minute": 3, "second": 37}
